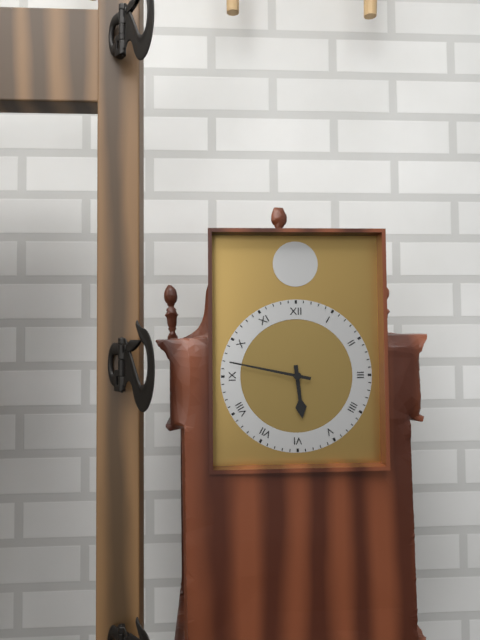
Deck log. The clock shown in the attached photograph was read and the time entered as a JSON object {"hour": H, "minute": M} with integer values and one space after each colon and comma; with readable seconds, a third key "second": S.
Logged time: {"hour": 5, "minute": 47}
